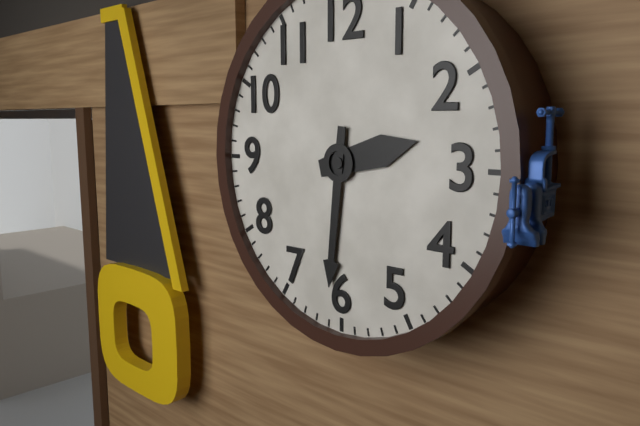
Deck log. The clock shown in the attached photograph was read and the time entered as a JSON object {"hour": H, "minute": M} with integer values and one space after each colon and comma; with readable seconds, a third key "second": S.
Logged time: {"hour": 2, "minute": 31}
